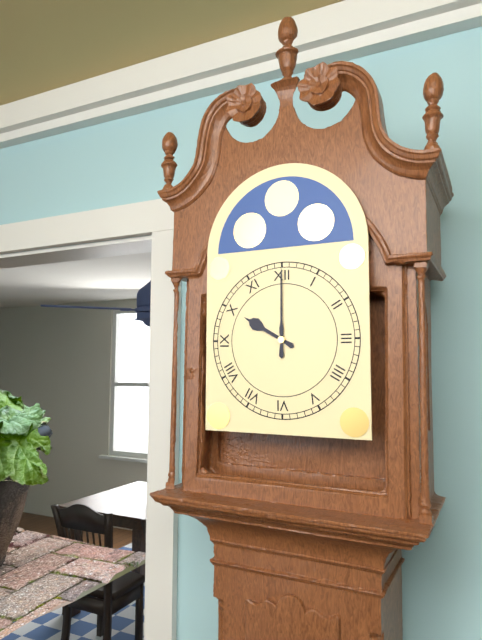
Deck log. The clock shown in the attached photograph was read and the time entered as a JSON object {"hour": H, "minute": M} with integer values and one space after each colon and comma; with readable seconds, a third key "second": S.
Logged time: {"hour": 10, "minute": 0}
